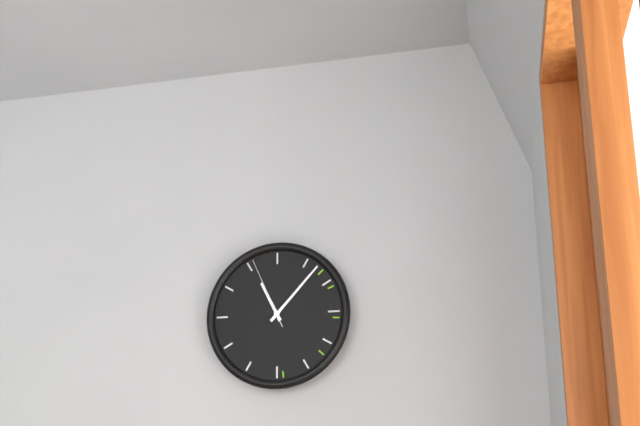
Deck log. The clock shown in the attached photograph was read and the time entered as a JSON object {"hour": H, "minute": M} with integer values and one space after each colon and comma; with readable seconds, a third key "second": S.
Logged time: {"hour": 11, "minute": 7, "second": 56}
